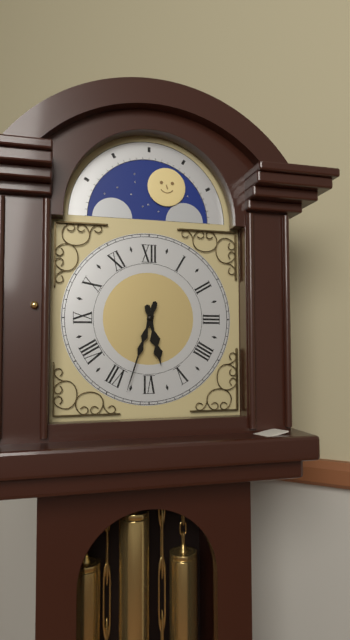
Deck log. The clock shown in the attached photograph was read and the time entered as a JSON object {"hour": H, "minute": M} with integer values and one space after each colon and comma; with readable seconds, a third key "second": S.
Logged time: {"hour": 5, "minute": 33}
